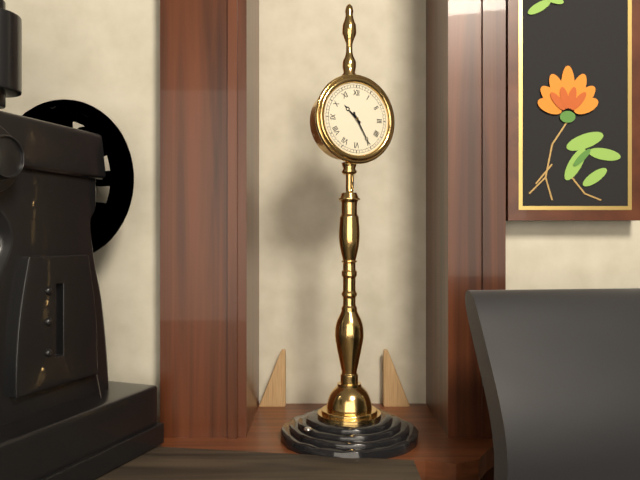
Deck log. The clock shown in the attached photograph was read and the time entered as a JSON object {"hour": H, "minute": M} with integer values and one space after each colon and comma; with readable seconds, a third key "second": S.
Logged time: {"hour": 10, "minute": 25}
